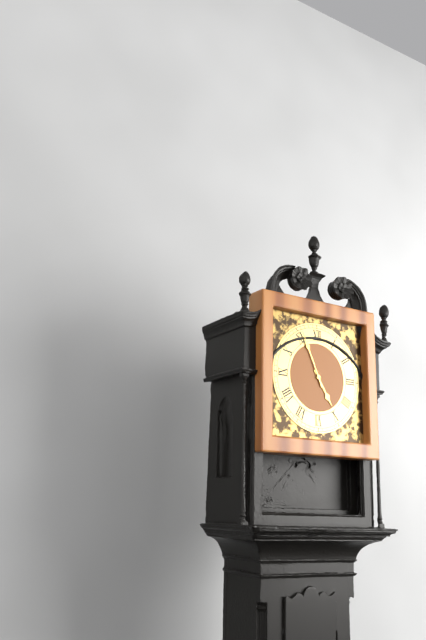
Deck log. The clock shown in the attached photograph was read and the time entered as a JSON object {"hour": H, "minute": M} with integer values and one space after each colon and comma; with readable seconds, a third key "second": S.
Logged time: {"hour": 4, "minute": 56}
